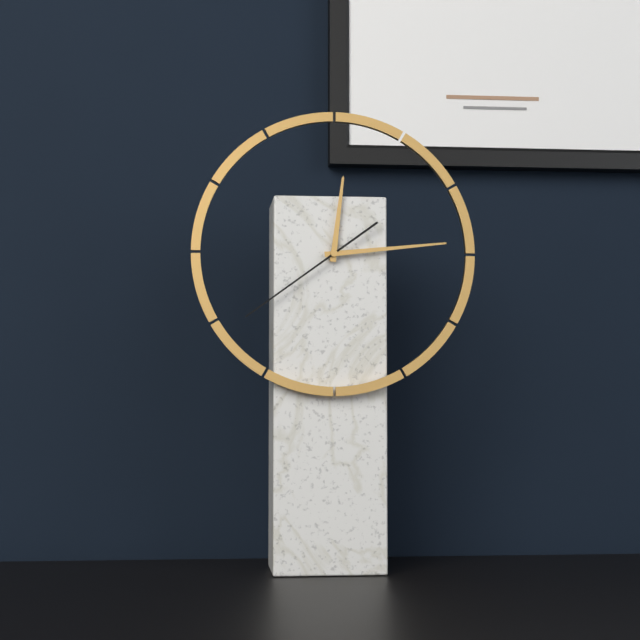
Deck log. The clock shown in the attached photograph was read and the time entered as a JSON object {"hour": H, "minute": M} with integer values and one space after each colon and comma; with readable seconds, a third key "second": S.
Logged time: {"hour": 12, "minute": 14, "second": 39}
